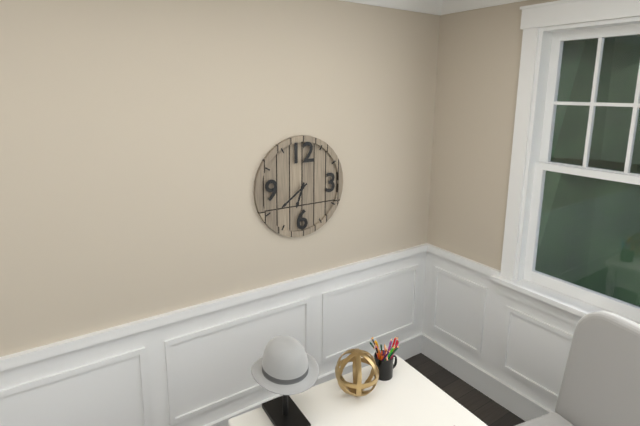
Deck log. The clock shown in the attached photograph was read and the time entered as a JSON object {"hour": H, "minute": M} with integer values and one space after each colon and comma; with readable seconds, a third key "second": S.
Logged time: {"hour": 6, "minute": 39}
